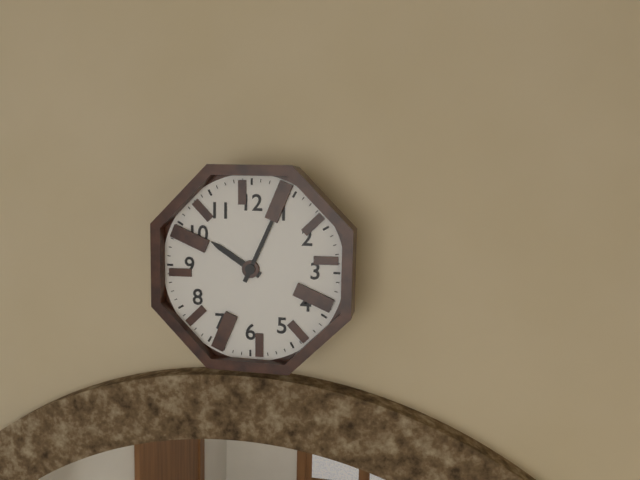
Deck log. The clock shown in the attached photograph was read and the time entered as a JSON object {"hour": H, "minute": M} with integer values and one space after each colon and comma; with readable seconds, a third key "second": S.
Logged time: {"hour": 10, "minute": 4}
